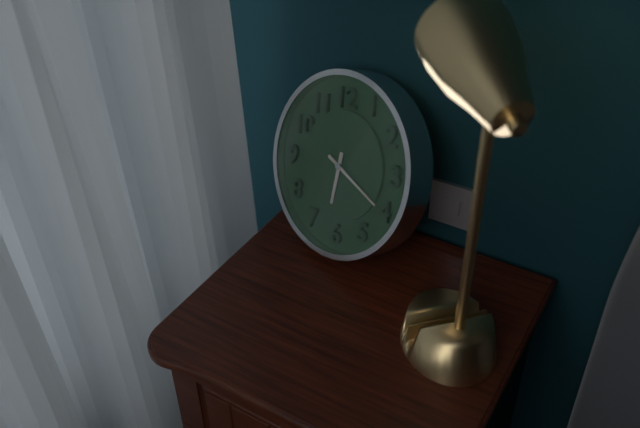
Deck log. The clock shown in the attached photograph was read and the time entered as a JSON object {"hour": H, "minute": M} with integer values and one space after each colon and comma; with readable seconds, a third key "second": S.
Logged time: {"hour": 6, "minute": 20}
